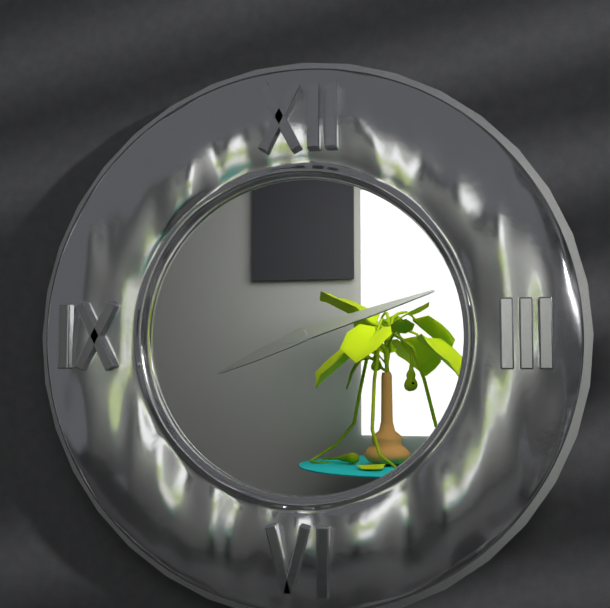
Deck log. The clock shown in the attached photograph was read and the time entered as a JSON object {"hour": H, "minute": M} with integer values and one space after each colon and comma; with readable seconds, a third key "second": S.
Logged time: {"hour": 8, "minute": 12}
